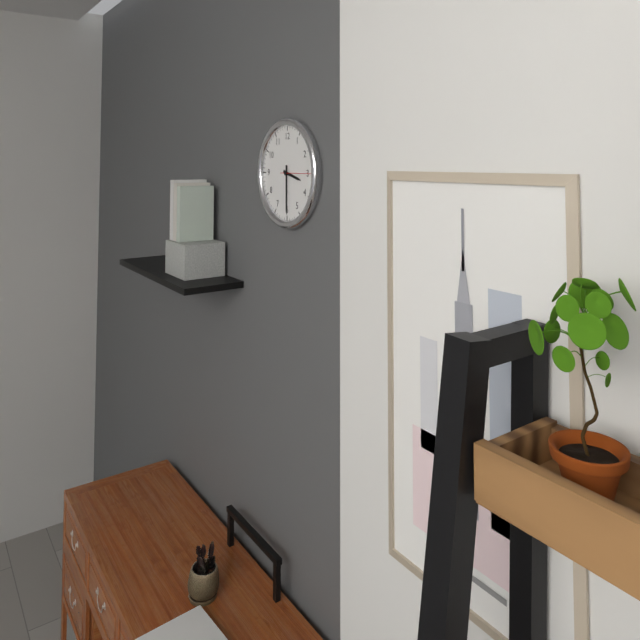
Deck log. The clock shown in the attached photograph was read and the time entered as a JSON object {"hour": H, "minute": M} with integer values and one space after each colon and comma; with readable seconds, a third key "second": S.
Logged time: {"hour": 3, "minute": 30}
